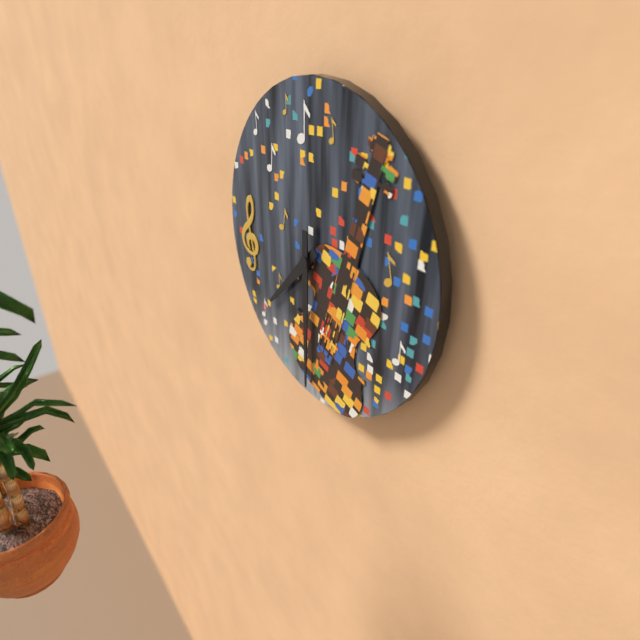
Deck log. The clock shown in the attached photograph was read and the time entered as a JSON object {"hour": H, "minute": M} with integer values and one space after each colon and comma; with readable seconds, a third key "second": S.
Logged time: {"hour": 7, "minute": 30}
